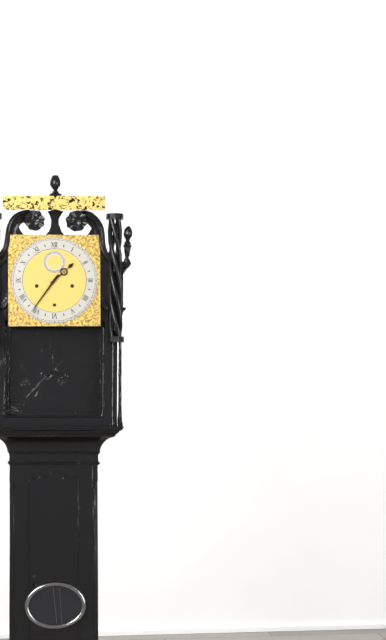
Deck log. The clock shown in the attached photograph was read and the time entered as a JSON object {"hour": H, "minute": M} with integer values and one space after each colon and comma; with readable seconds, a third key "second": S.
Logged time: {"hour": 1, "minute": 36}
